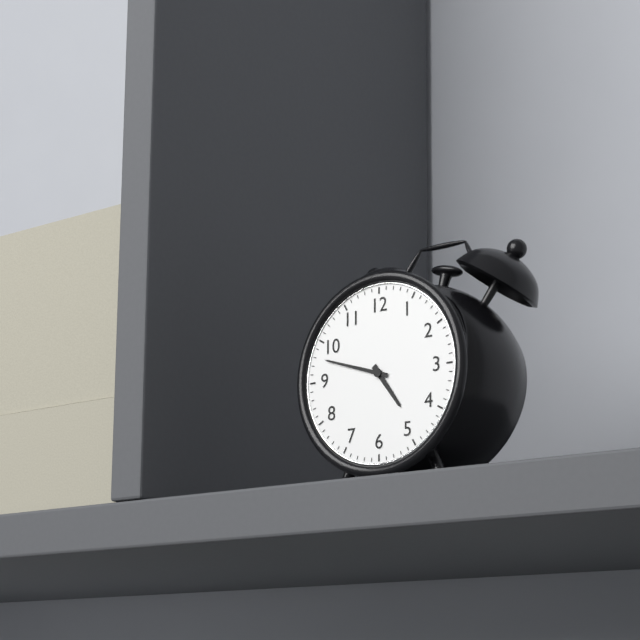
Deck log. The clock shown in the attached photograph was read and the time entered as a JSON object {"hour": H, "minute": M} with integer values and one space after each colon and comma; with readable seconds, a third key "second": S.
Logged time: {"hour": 4, "minute": 48}
